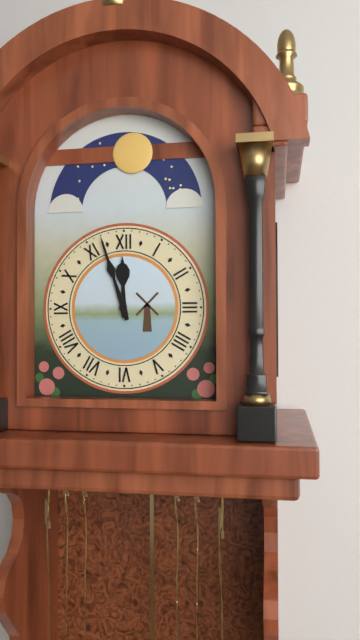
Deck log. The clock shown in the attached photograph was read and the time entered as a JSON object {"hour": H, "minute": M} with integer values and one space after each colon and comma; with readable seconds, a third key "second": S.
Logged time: {"hour": 11, "minute": 57}
